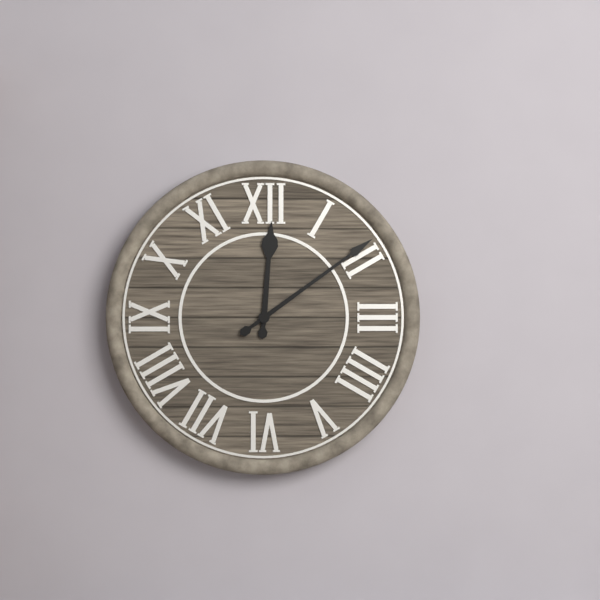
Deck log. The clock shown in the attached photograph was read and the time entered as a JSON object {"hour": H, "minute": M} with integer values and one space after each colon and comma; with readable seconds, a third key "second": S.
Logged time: {"hour": 12, "minute": 9}
